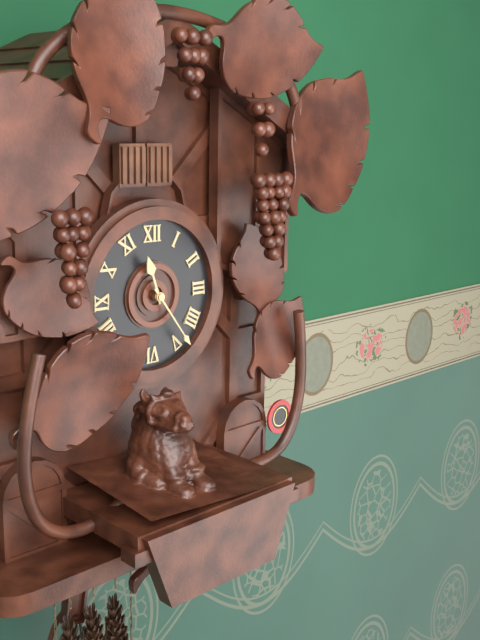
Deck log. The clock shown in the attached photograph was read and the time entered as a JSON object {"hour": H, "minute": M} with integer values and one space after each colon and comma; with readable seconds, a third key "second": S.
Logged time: {"hour": 11, "minute": 24}
